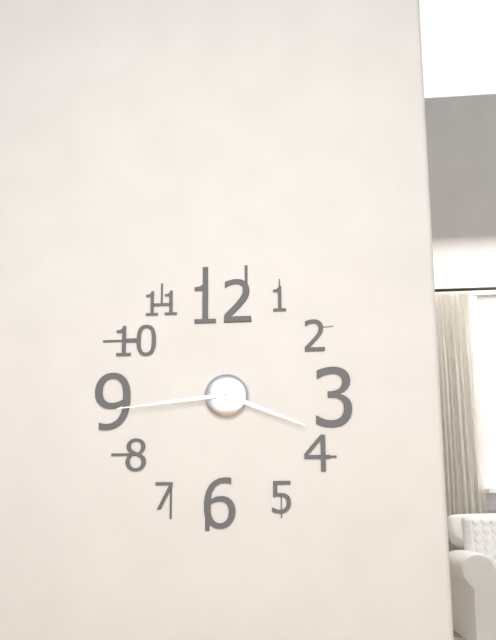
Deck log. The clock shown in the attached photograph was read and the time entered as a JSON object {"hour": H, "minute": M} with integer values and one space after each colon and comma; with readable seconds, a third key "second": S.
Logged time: {"hour": 3, "minute": 44}
